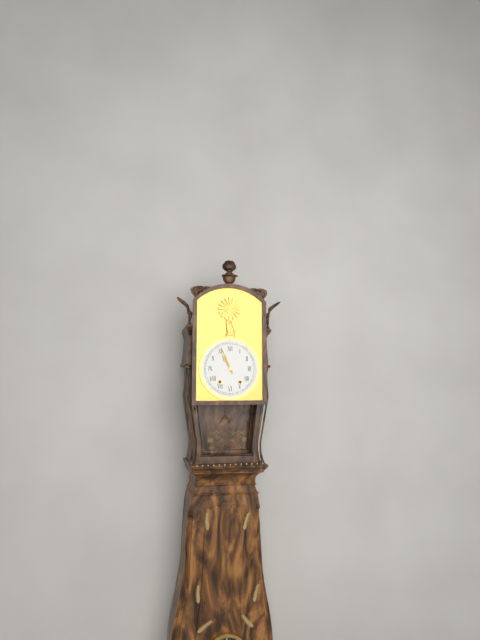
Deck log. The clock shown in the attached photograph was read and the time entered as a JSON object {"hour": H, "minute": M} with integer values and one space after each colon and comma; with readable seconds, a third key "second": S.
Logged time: {"hour": 10, "minute": 56}
